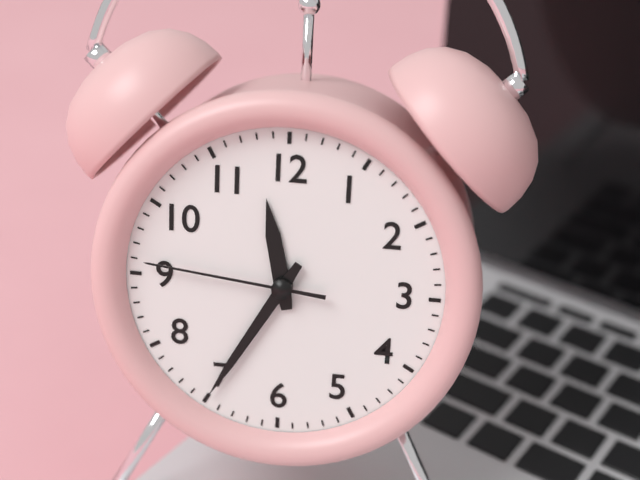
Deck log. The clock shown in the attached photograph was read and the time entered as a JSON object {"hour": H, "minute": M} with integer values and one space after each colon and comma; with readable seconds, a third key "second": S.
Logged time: {"hour": 11, "minute": 35, "second": 46}
